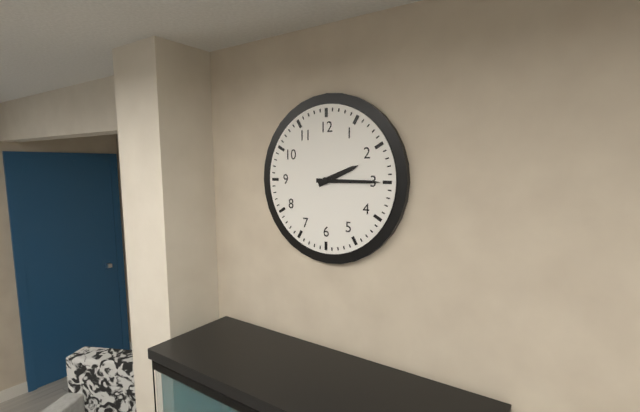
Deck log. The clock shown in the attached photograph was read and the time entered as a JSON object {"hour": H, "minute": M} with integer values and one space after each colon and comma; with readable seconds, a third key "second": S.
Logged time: {"hour": 2, "minute": 15}
